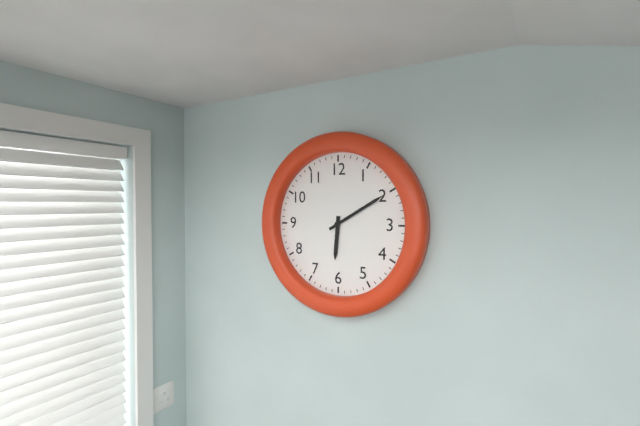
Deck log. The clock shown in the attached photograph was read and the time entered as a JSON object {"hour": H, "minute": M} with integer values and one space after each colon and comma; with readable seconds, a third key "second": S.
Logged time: {"hour": 6, "minute": 10}
